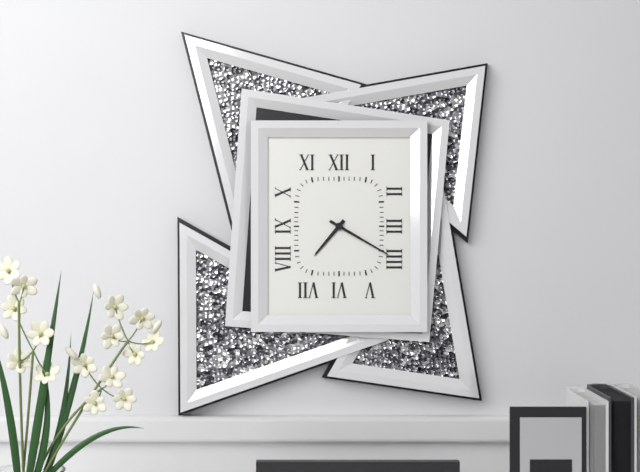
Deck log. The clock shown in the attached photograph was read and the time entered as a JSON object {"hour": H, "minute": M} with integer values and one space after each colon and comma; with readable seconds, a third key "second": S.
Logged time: {"hour": 7, "minute": 20}
